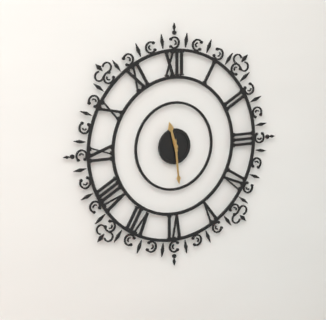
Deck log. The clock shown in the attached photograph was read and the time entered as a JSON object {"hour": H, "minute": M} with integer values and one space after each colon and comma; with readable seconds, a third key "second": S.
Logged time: {"hour": 11, "minute": 29}
